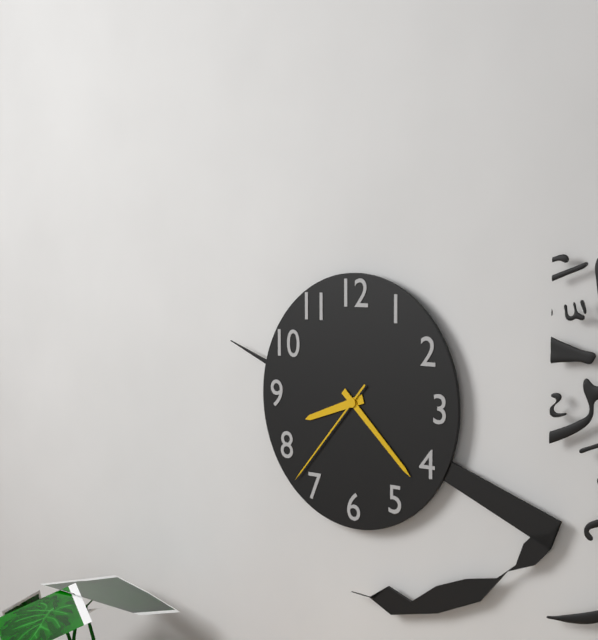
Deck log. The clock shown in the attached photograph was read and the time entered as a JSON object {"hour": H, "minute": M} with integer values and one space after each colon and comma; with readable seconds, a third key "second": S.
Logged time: {"hour": 8, "minute": 22, "second": 37}
